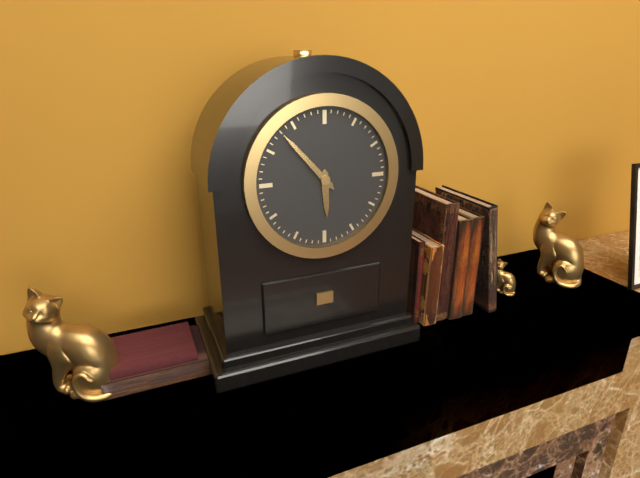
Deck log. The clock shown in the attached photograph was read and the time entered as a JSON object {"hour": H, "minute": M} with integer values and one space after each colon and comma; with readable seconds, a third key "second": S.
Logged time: {"hour": 5, "minute": 53}
